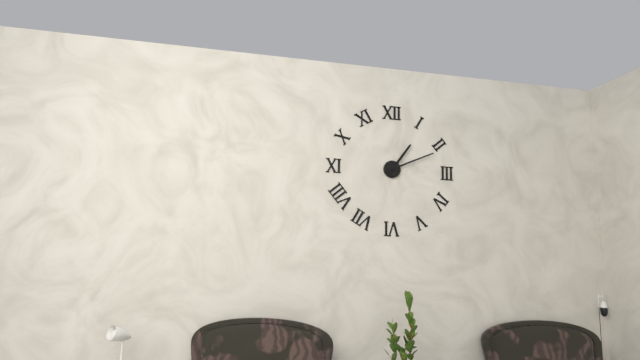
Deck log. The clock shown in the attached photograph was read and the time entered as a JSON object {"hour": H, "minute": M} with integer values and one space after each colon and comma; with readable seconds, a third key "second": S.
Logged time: {"hour": 1, "minute": 11}
